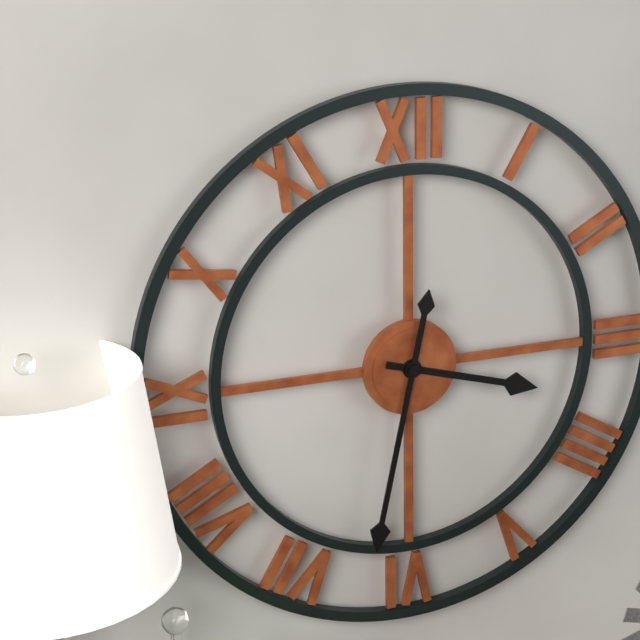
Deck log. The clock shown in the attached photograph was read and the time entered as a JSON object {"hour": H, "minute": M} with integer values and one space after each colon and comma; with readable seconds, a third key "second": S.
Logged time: {"hour": 3, "minute": 32}
